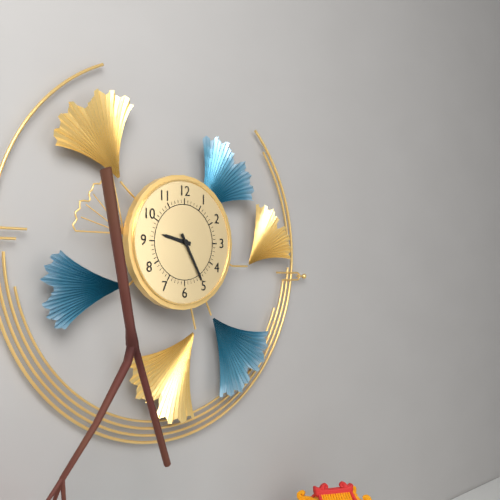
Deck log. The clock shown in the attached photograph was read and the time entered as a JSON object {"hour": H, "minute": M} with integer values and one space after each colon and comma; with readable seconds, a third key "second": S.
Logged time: {"hour": 9, "minute": 25}
